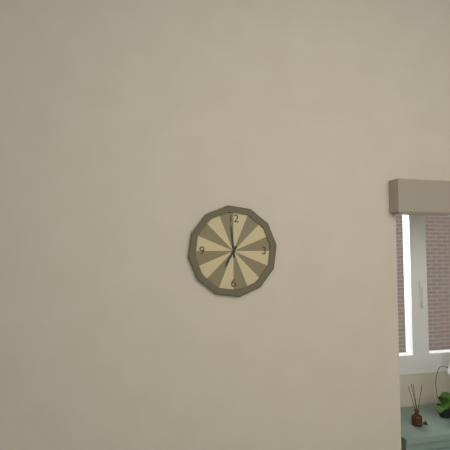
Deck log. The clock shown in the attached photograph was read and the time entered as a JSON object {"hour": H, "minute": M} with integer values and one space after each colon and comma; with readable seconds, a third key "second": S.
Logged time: {"hour": 6, "minute": 59}
